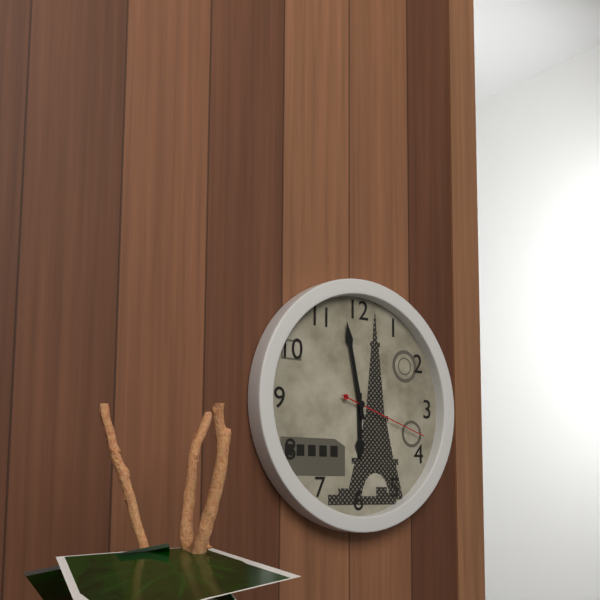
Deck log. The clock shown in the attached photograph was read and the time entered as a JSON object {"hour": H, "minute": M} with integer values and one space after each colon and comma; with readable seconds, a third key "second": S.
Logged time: {"hour": 5, "minute": 58, "second": 18}
